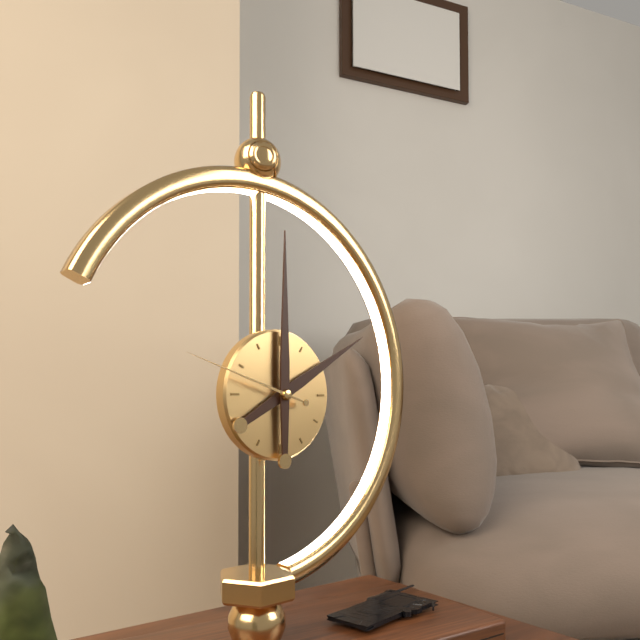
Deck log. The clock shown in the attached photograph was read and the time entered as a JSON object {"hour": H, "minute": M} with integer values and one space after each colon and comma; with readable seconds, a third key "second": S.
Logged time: {"hour": 2, "minute": 0, "second": 48}
